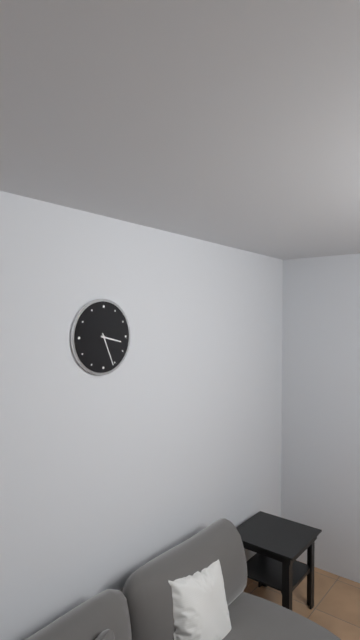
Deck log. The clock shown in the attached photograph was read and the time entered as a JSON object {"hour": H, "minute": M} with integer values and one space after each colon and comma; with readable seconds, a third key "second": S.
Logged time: {"hour": 3, "minute": 26}
